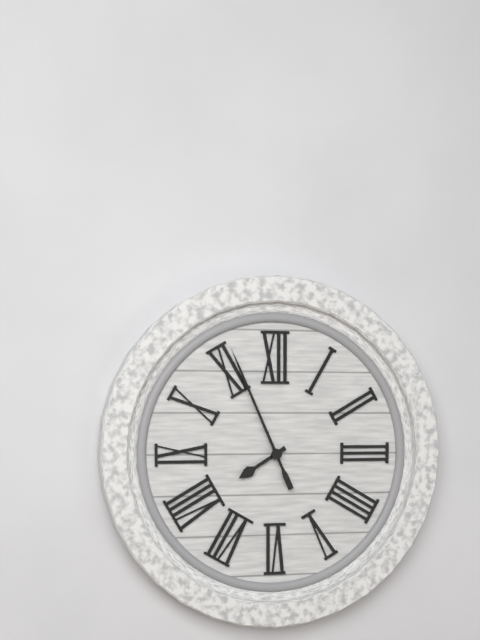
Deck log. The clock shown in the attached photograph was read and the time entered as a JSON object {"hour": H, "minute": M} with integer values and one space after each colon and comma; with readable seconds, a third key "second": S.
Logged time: {"hour": 7, "minute": 56}
